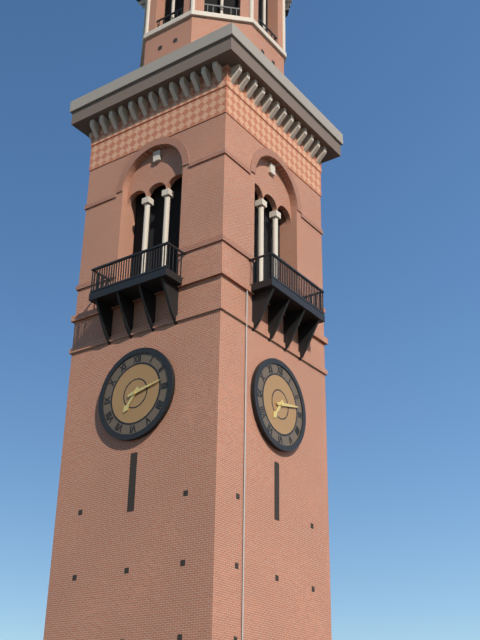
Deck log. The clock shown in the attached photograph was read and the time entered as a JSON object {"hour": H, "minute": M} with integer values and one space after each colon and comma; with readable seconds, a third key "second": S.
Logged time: {"hour": 7, "minute": 13}
